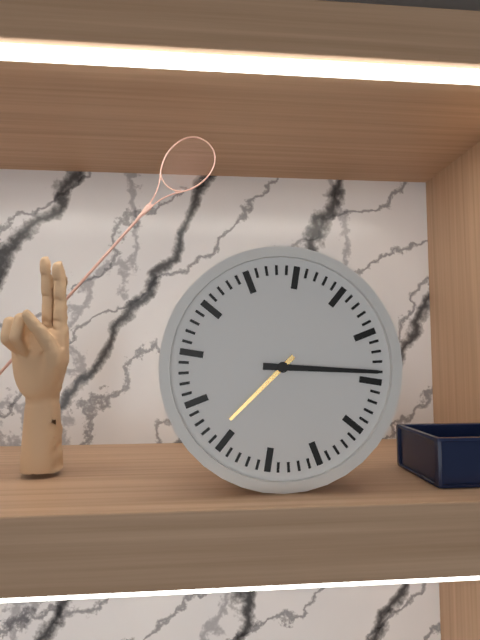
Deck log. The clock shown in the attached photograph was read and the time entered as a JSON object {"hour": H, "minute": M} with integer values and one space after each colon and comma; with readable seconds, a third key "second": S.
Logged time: {"hour": 7, "minute": 14}
